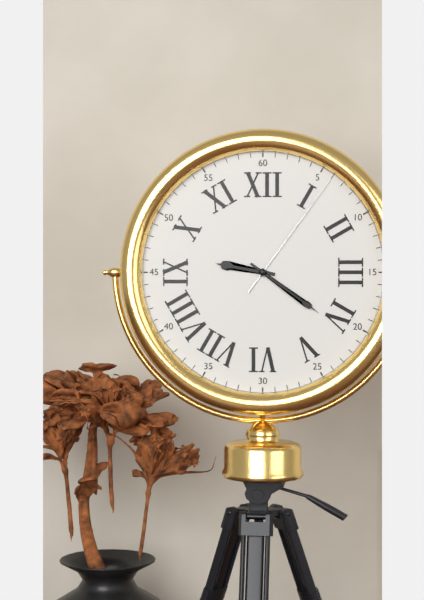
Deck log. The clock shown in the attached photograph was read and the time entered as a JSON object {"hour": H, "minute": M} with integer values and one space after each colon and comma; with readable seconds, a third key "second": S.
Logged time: {"hour": 9, "minute": 21, "second": 6}
